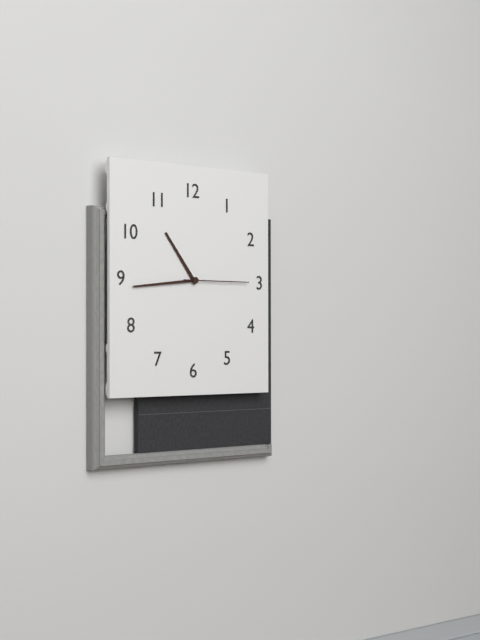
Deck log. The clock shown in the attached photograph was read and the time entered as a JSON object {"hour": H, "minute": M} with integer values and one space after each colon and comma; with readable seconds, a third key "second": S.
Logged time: {"hour": 10, "minute": 44, "second": 15}
